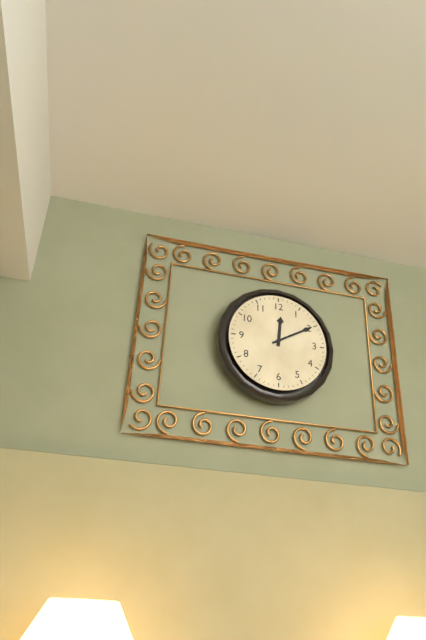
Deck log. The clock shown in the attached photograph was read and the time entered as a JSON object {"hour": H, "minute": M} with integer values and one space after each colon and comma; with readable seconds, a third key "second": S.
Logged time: {"hour": 12, "minute": 10}
